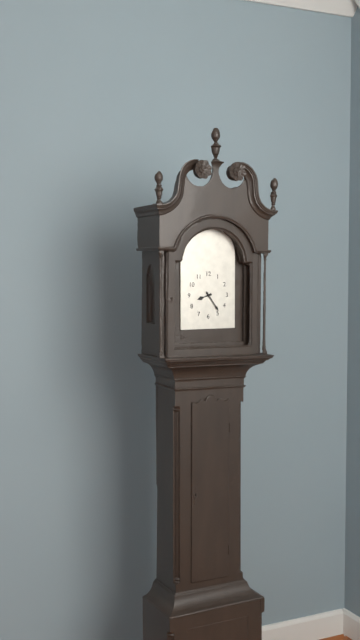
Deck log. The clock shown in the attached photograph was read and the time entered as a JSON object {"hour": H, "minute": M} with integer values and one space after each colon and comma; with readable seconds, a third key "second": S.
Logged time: {"hour": 8, "minute": 24}
